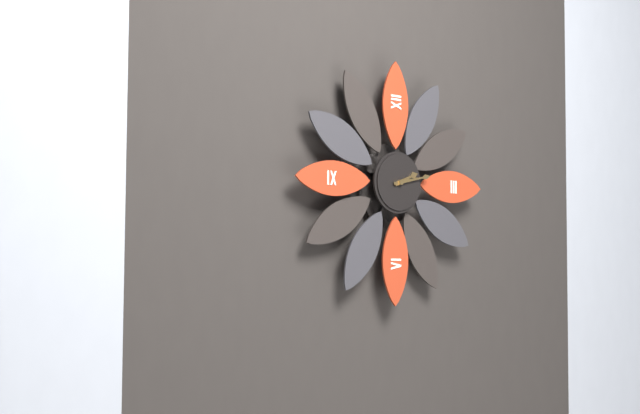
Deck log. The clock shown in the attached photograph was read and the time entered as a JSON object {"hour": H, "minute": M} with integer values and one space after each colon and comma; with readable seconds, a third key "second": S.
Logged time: {"hour": 2, "minute": 13}
